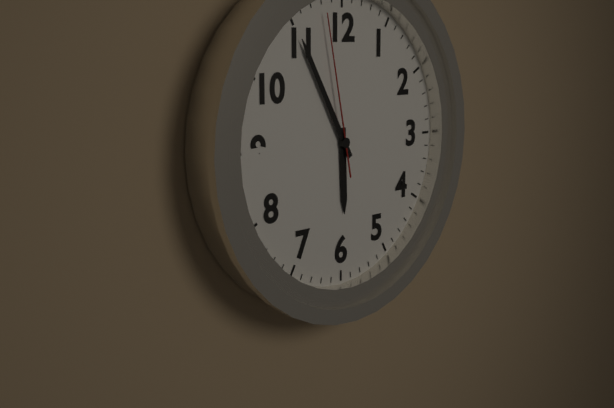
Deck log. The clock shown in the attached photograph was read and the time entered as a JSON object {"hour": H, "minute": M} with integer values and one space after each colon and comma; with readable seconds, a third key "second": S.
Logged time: {"hour": 5, "minute": 55, "second": 58}
